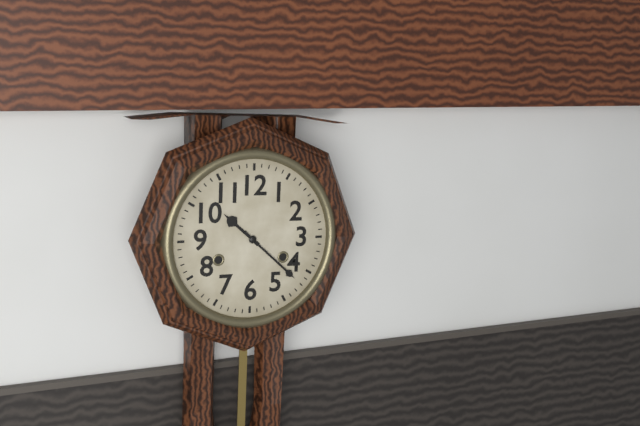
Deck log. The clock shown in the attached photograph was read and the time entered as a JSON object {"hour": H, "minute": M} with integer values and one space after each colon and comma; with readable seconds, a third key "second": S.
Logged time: {"hour": 10, "minute": 22}
